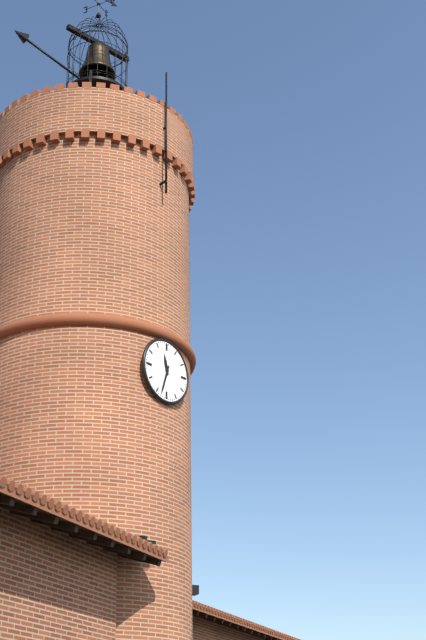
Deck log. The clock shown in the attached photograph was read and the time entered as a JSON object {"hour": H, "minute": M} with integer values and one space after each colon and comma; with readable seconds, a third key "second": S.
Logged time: {"hour": 11, "minute": 33}
